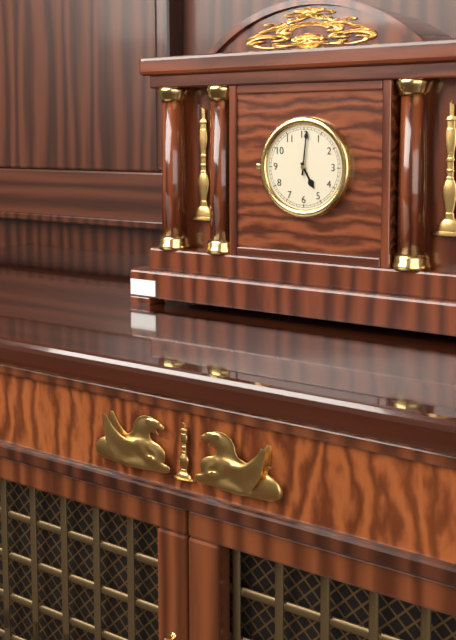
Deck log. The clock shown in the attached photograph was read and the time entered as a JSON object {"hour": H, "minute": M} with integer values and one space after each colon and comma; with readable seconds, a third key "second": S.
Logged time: {"hour": 5, "minute": 1}
